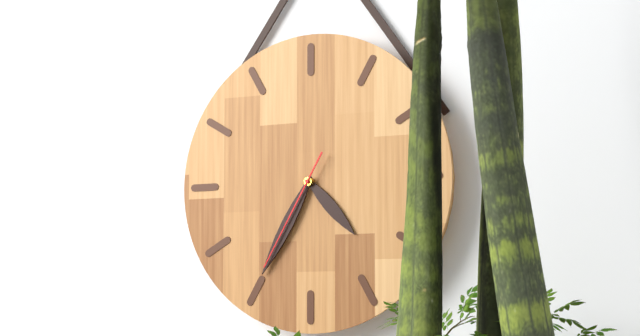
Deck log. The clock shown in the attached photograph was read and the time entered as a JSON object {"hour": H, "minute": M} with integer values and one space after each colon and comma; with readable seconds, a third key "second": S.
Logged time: {"hour": 4, "minute": 35, "second": 35}
